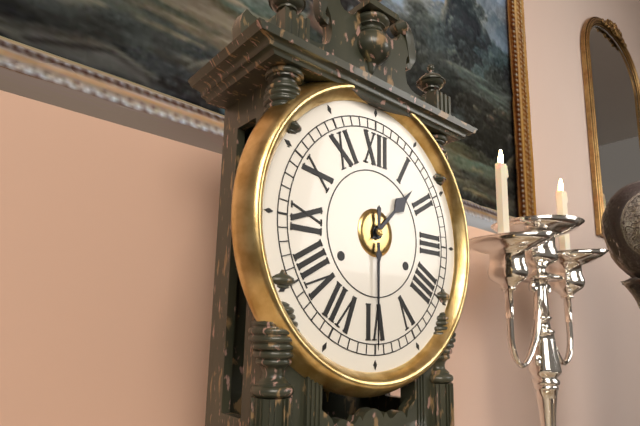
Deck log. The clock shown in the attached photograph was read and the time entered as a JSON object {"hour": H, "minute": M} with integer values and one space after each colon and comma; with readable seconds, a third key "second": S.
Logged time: {"hour": 1, "minute": 30}
